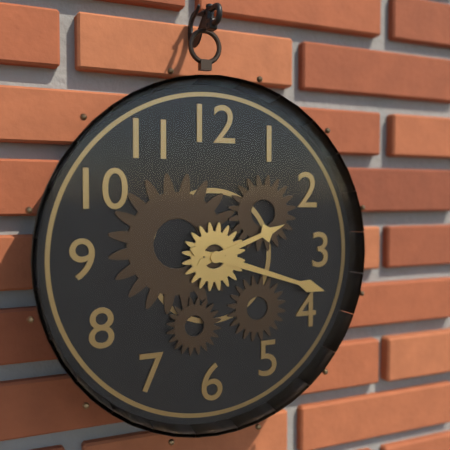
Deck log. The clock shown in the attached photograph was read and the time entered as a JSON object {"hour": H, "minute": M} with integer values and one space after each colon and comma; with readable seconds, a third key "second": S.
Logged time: {"hour": 2, "minute": 18}
